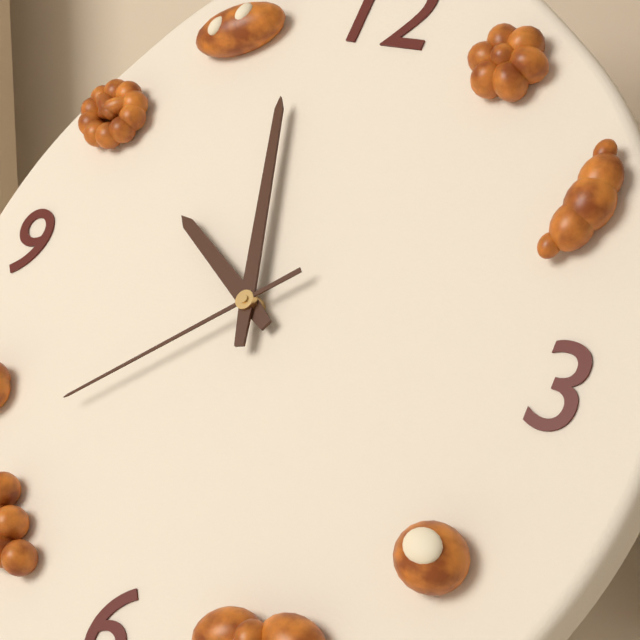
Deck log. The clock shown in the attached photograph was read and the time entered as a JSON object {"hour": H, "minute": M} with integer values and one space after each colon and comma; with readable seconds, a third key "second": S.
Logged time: {"hour": 9, "minute": 57, "second": 38}
